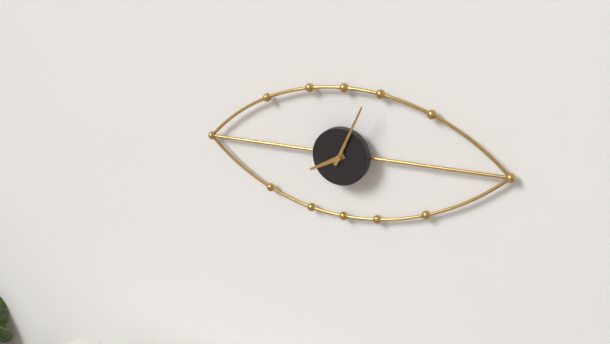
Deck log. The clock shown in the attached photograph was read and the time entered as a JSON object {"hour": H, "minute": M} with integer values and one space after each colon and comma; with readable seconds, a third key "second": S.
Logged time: {"hour": 8, "minute": 4}
